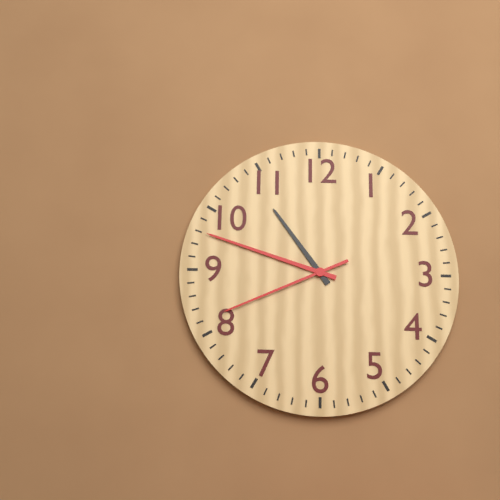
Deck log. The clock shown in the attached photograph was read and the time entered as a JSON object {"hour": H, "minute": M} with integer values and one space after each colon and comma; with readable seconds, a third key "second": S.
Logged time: {"hour": 10, "minute": 48, "second": 41}
